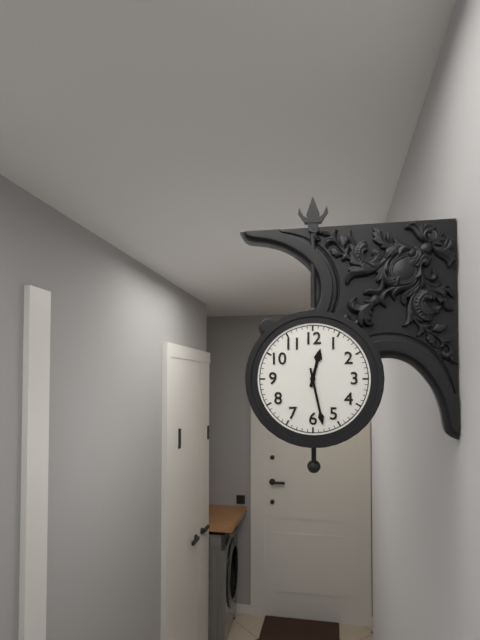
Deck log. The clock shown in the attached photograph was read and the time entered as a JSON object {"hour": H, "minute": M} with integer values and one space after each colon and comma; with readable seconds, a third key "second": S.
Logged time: {"hour": 12, "minute": 28}
